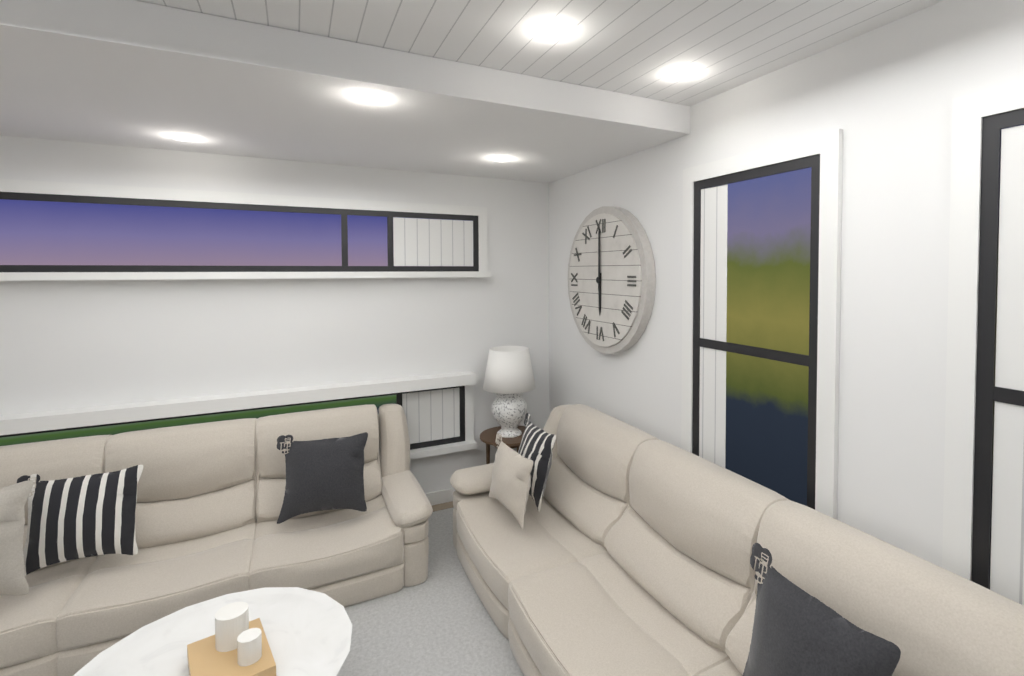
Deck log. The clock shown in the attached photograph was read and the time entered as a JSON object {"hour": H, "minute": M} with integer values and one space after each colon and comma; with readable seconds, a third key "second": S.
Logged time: {"hour": 6, "minute": 0}
